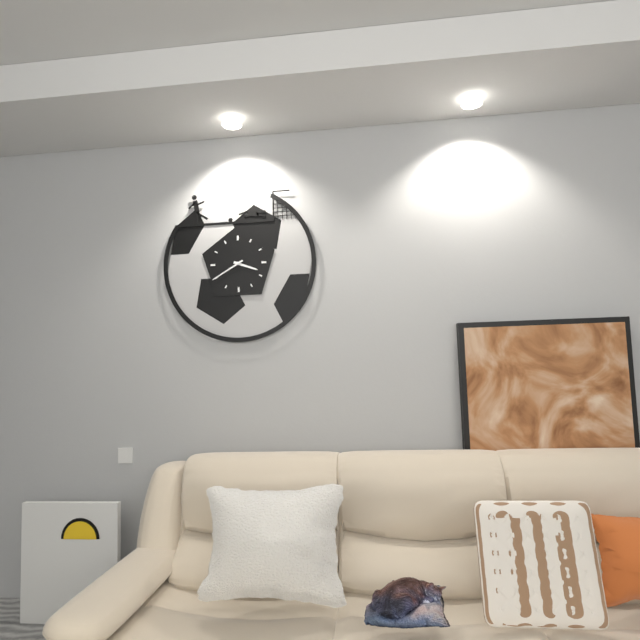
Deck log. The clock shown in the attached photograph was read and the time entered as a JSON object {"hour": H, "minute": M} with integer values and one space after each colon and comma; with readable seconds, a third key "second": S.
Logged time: {"hour": 3, "minute": 40}
